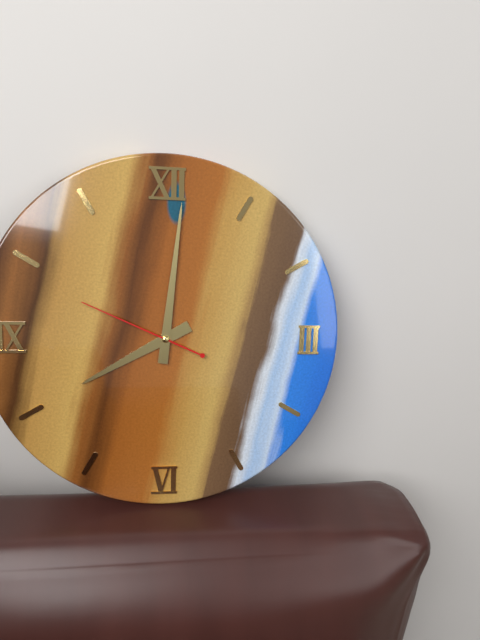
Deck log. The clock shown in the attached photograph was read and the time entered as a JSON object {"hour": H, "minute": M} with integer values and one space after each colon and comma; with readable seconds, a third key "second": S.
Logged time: {"hour": 8, "minute": 1, "second": 49}
